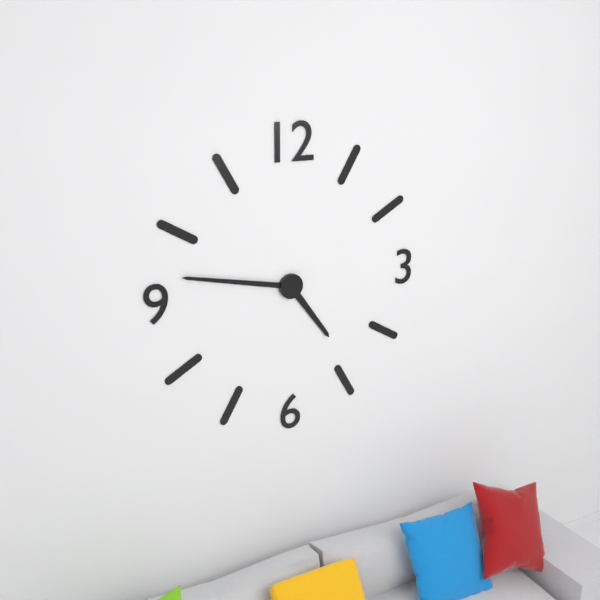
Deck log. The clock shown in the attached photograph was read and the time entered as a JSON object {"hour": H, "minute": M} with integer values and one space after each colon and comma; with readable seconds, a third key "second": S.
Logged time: {"hour": 4, "minute": 47}
